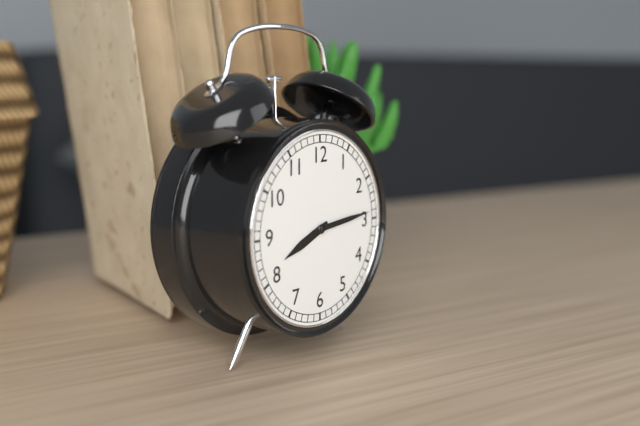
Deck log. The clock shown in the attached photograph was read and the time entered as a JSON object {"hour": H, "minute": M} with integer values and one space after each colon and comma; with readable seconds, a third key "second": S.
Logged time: {"hour": 8, "minute": 14}
